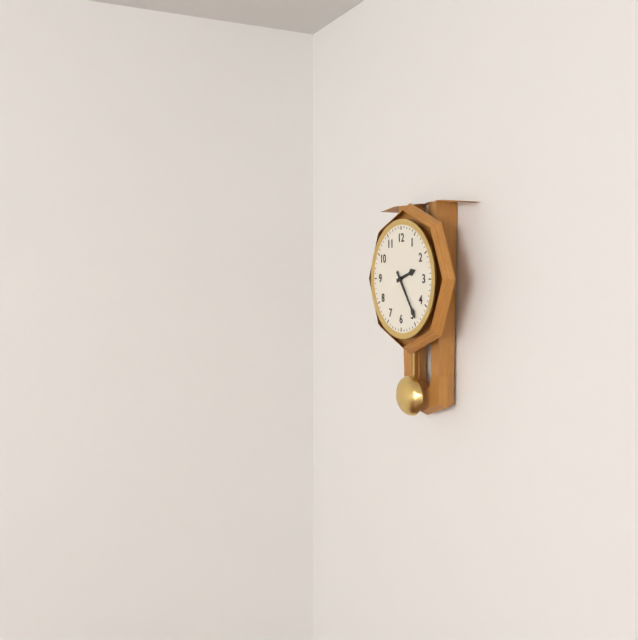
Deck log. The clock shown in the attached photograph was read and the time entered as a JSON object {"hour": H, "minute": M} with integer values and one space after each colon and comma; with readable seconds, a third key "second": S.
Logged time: {"hour": 2, "minute": 24}
